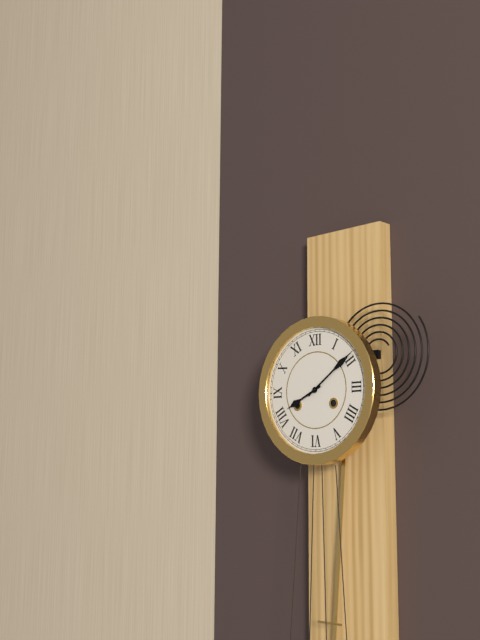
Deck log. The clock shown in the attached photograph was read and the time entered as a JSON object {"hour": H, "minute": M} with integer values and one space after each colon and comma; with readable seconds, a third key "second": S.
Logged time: {"hour": 8, "minute": 9}
